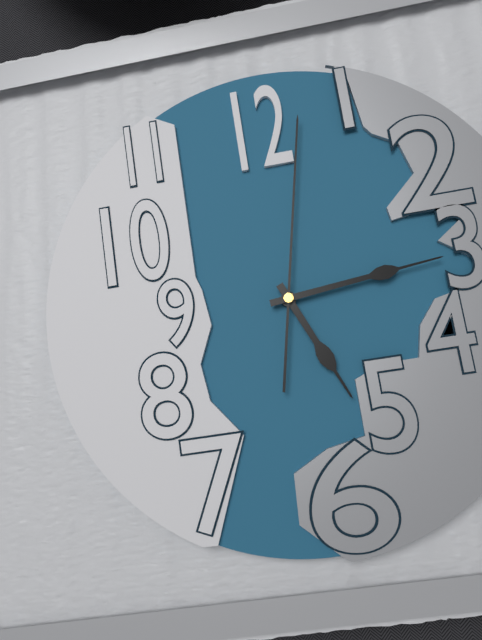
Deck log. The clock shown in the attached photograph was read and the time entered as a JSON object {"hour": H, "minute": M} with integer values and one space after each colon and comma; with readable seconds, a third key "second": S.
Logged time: {"hour": 5, "minute": 14, "second": 2}
